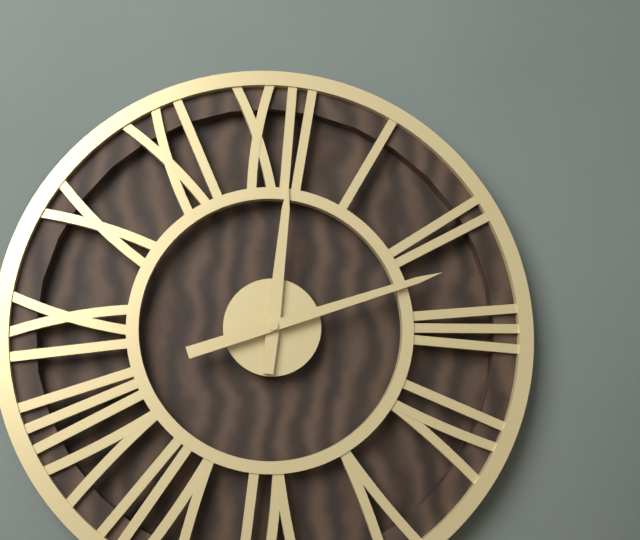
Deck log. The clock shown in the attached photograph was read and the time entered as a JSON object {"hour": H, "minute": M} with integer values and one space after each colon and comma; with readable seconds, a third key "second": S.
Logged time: {"hour": 12, "minute": 12}
